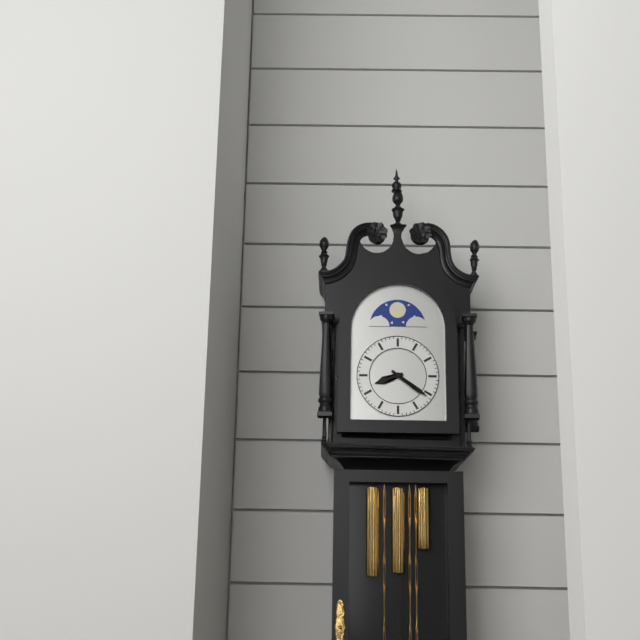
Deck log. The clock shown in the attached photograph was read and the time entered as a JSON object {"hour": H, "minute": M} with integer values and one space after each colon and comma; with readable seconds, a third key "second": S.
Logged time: {"hour": 8, "minute": 21}
